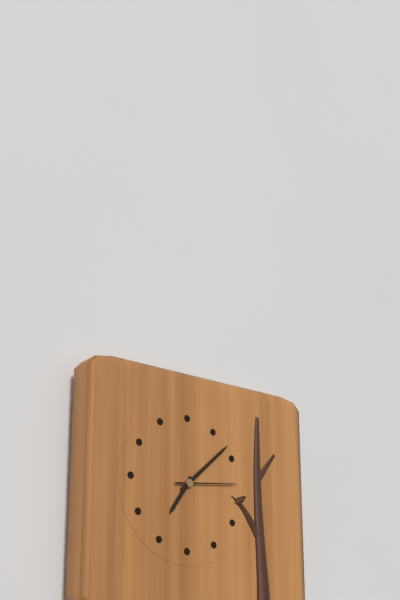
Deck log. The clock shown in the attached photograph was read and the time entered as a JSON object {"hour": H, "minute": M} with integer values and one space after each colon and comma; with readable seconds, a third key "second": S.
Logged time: {"hour": 7, "minute": 8, "second": 14}
